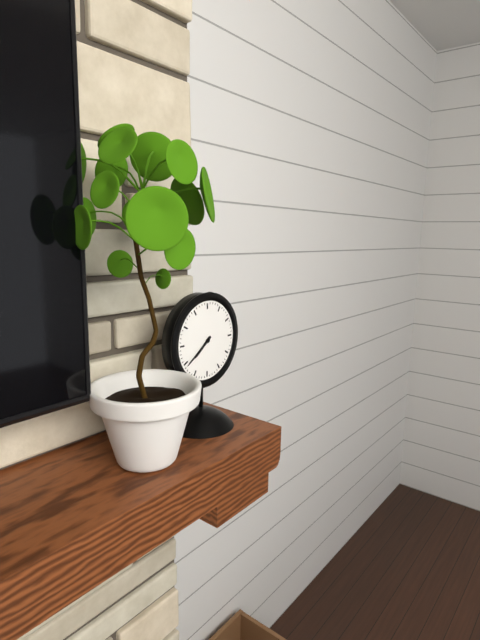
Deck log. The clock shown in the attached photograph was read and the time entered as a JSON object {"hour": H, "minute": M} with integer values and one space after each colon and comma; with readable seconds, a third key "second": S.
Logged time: {"hour": 7, "minute": 39}
